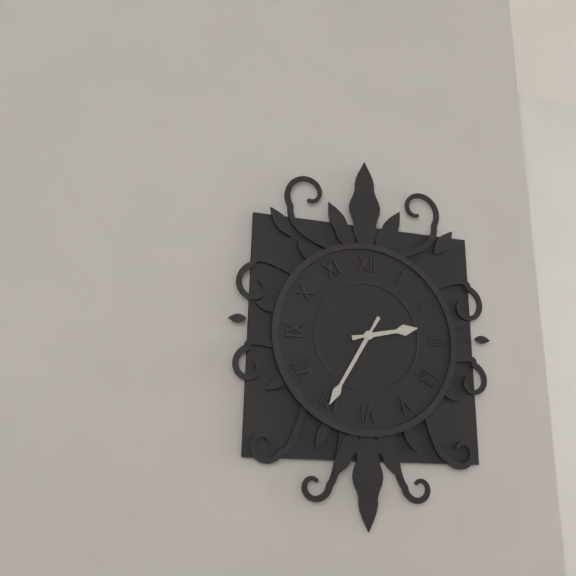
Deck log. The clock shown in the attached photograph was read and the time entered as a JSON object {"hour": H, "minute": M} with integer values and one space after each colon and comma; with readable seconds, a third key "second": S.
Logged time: {"hour": 2, "minute": 35}
